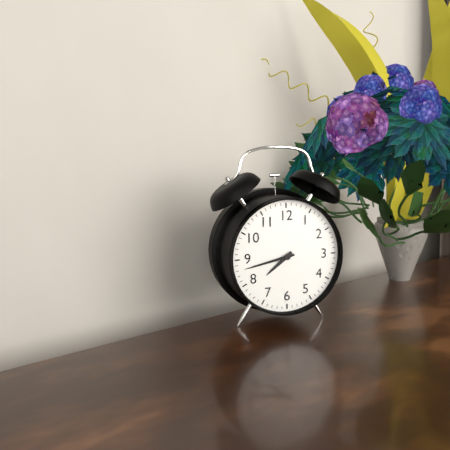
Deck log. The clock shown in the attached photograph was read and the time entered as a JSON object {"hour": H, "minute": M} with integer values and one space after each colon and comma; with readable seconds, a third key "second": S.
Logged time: {"hour": 7, "minute": 43}
